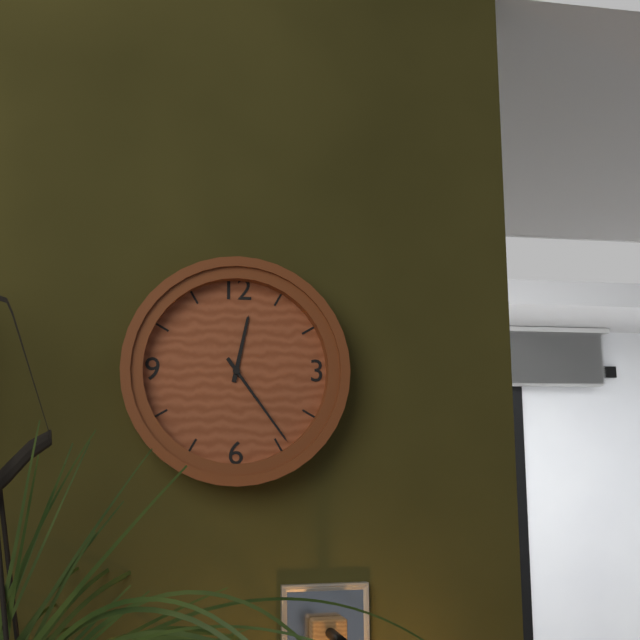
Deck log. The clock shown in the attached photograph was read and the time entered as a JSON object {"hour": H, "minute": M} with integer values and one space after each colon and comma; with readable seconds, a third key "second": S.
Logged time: {"hour": 12, "minute": 24}
